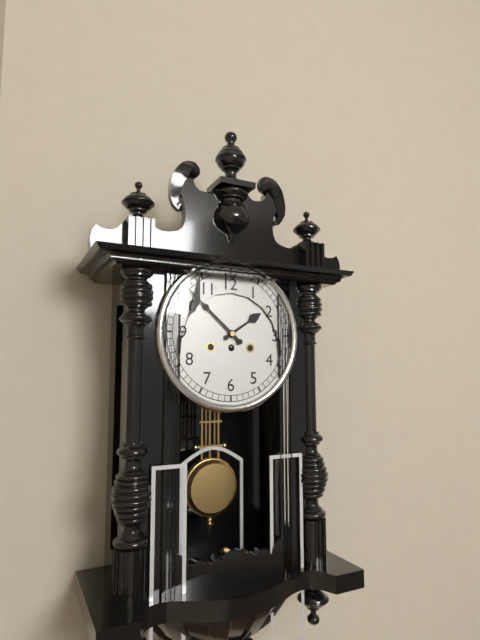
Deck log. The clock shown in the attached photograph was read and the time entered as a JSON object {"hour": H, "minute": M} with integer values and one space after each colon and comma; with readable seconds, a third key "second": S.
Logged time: {"hour": 1, "minute": 52}
